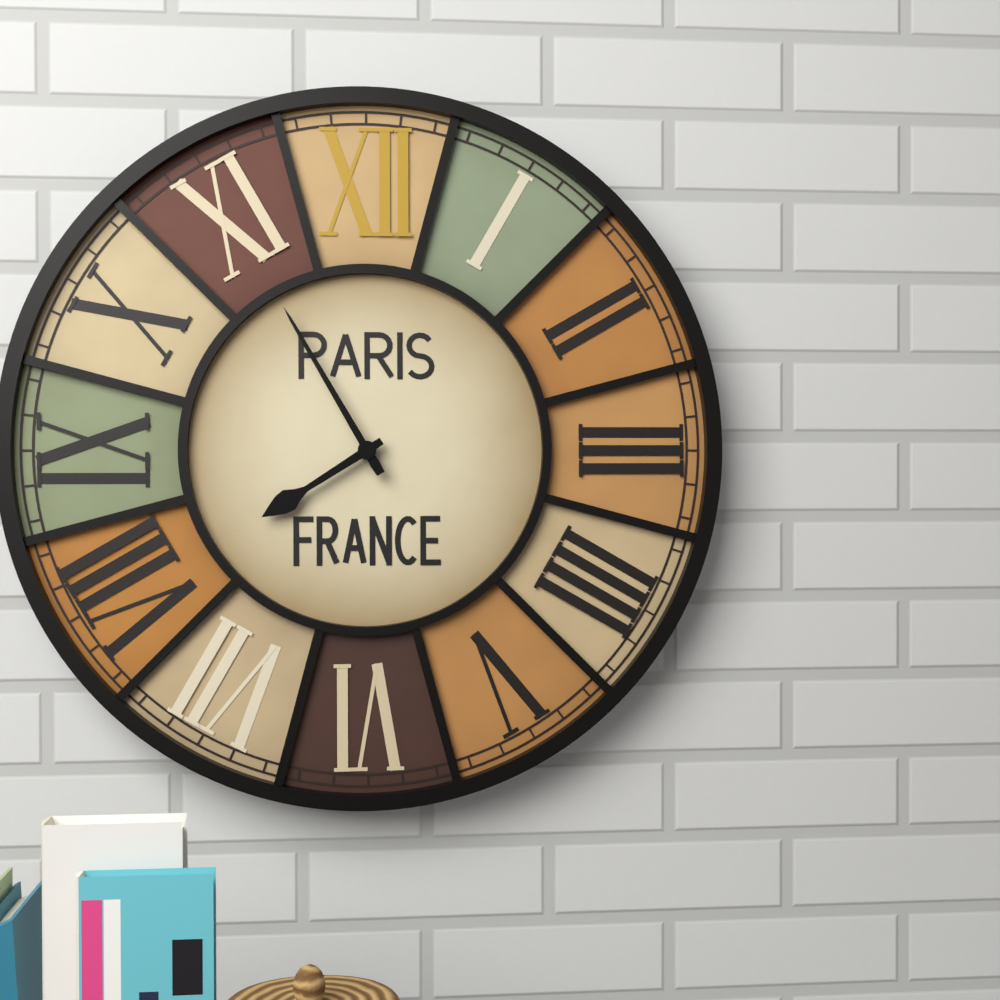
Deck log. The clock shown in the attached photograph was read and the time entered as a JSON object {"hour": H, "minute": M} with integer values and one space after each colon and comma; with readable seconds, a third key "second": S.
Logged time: {"hour": 7, "minute": 55}
